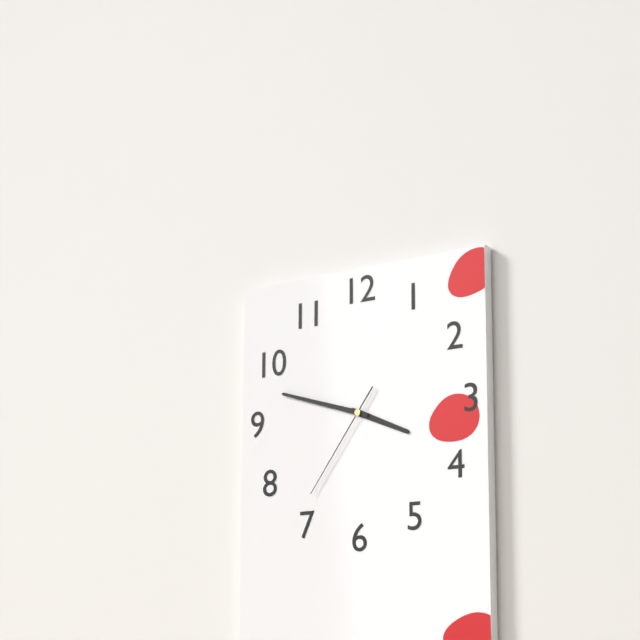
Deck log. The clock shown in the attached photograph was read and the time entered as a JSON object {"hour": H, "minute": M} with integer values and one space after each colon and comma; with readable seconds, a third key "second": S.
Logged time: {"hour": 3, "minute": 48, "second": 36}
